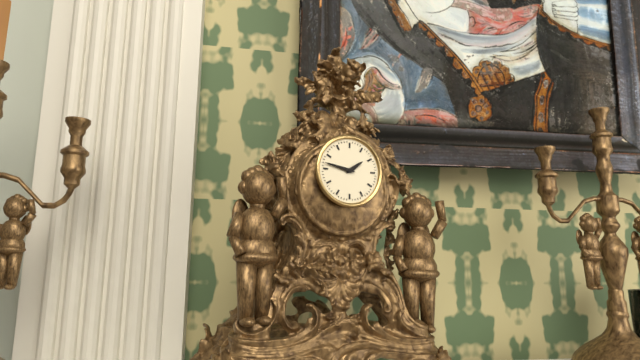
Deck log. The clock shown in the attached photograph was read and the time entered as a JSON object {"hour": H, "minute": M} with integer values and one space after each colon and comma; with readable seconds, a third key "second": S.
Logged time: {"hour": 1, "minute": 47}
